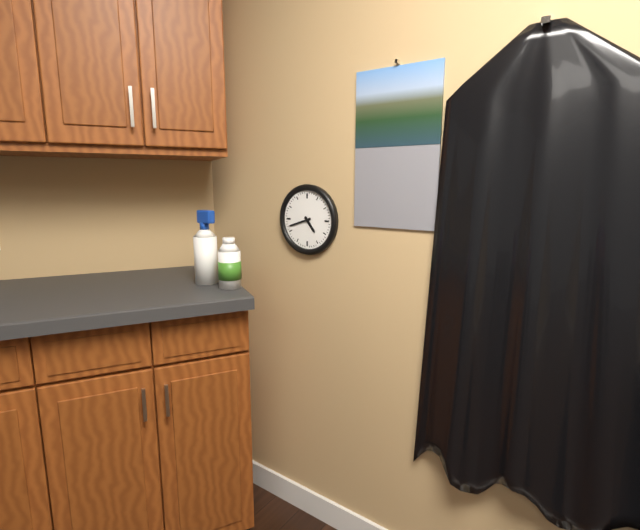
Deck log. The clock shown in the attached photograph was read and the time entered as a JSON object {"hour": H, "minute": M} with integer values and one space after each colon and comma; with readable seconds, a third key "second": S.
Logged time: {"hour": 4, "minute": 42}
